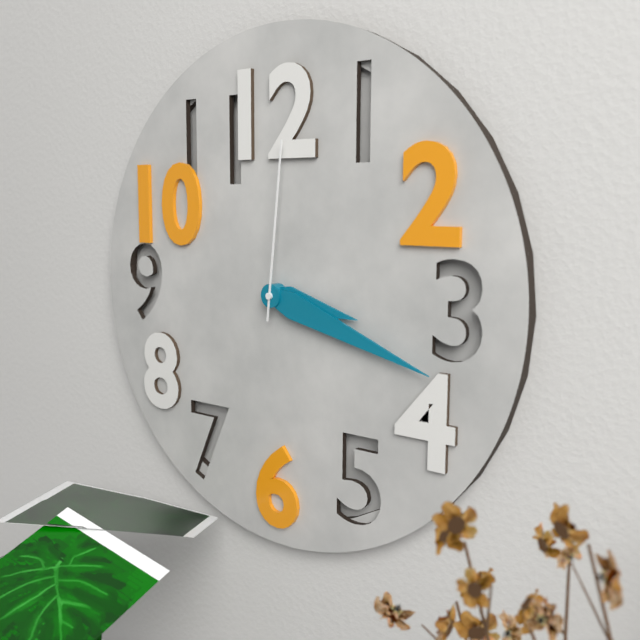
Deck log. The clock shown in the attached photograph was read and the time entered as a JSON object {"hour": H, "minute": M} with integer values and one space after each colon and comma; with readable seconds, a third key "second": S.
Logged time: {"hour": 3, "minute": 18, "second": 1}
